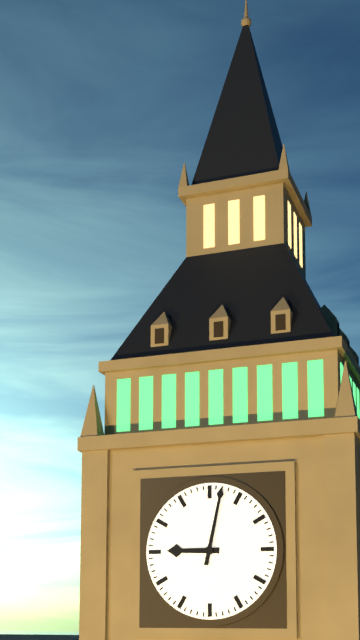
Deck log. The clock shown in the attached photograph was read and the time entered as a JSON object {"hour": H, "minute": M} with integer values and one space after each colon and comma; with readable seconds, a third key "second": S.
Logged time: {"hour": 9, "minute": 2}
